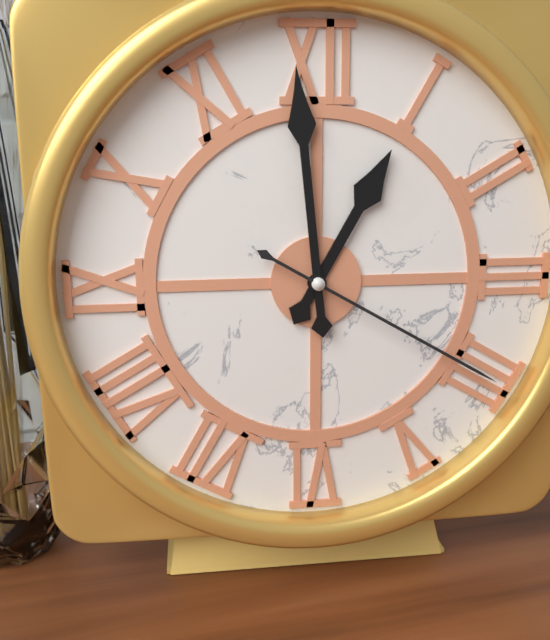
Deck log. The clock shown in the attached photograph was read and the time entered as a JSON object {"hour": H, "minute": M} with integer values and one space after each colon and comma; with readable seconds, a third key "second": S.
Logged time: {"hour": 12, "minute": 59, "second": 20}
